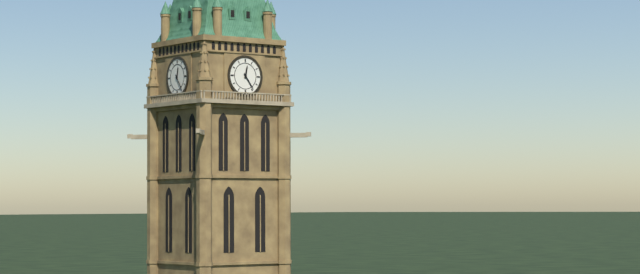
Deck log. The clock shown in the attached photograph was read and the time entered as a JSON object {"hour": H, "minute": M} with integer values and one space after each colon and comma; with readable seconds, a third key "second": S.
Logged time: {"hour": 12, "minute": 24}
